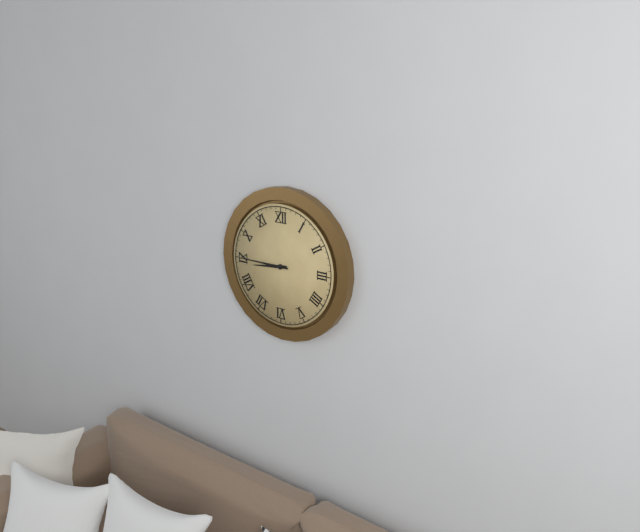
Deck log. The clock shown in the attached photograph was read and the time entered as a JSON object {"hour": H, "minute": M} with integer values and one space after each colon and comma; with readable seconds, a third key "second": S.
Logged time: {"hour": 8, "minute": 45}
